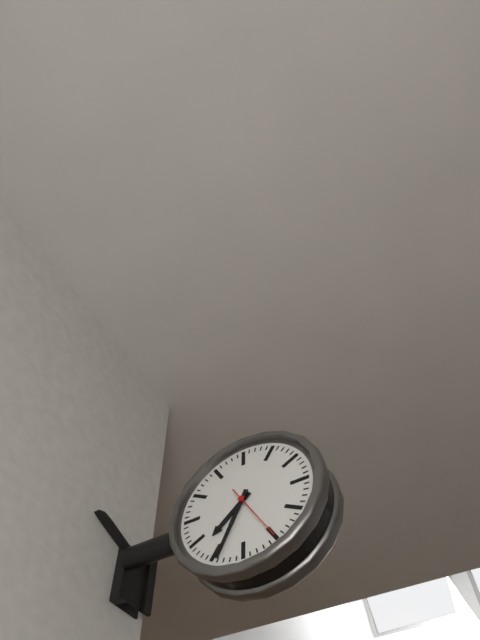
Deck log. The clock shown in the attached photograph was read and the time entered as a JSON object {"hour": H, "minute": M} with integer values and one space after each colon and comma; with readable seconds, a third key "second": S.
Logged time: {"hour": 7, "minute": 34, "second": 25}
